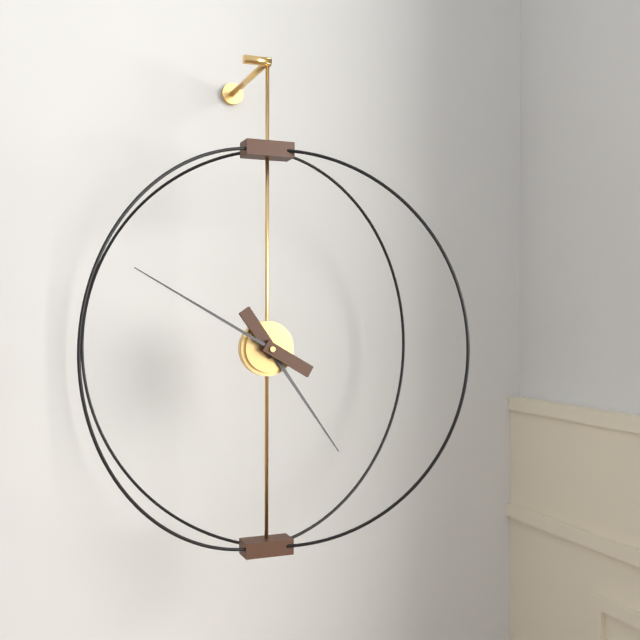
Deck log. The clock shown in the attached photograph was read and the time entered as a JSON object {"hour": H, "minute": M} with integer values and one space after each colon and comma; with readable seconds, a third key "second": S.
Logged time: {"hour": 4, "minute": 50}
